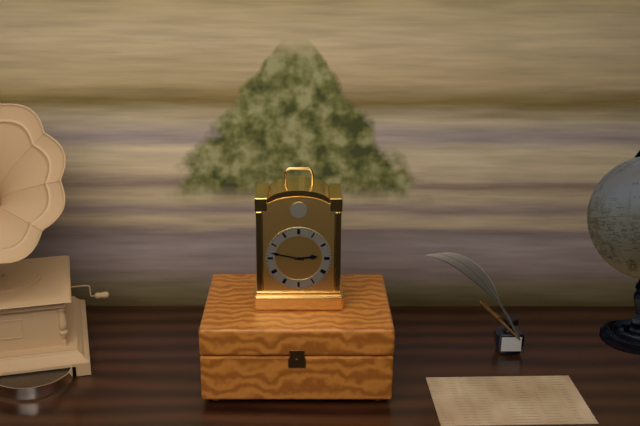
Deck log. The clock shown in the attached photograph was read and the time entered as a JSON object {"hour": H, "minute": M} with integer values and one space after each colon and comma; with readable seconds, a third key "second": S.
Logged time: {"hour": 2, "minute": 47}
